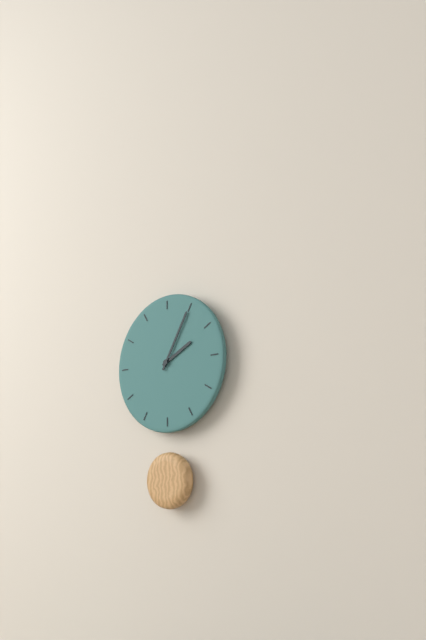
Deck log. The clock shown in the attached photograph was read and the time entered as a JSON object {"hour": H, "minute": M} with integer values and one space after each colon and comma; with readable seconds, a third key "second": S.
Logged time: {"hour": 2, "minute": 5}
